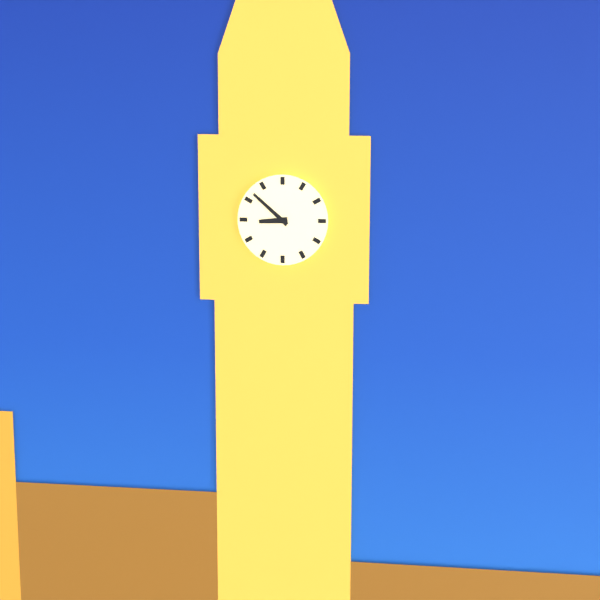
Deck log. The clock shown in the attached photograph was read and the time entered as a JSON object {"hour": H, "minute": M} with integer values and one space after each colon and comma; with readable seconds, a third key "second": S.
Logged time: {"hour": 8, "minute": 52}
